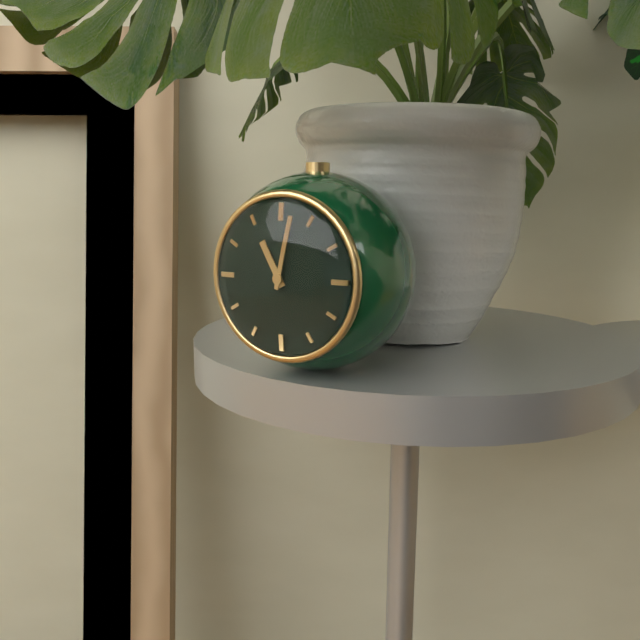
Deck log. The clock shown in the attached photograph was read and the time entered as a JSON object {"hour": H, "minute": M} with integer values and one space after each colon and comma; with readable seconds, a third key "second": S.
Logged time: {"hour": 11, "minute": 2}
